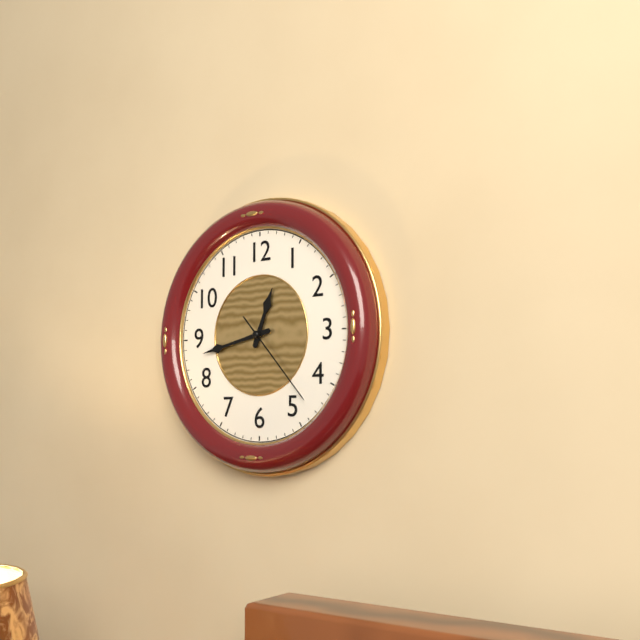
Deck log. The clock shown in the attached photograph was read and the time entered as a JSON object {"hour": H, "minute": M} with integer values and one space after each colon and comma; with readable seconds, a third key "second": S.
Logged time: {"hour": 12, "minute": 43, "second": 23}
